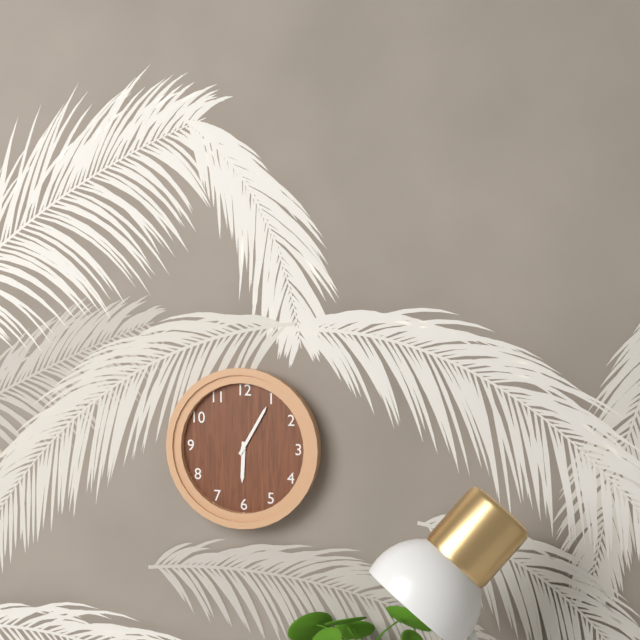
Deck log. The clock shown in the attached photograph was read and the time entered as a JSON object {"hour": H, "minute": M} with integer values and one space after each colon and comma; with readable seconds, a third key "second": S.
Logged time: {"hour": 6, "minute": 5}
